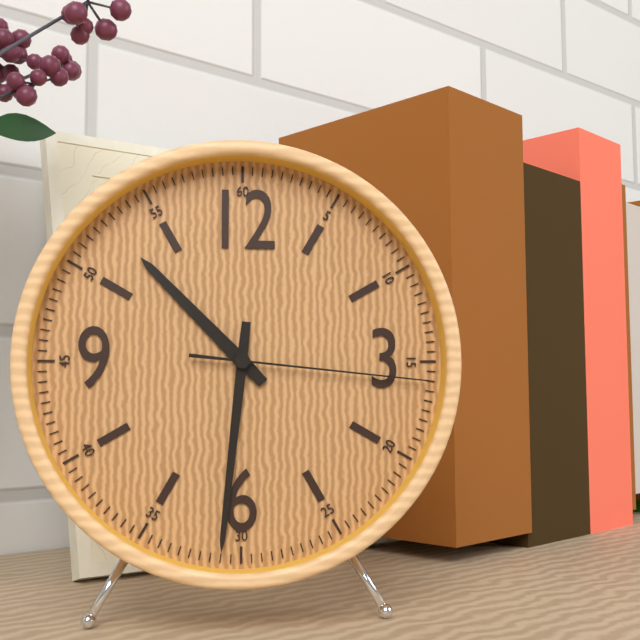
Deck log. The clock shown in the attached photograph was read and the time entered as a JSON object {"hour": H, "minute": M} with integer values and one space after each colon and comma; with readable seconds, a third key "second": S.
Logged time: {"hour": 10, "minute": 31, "second": 16}
